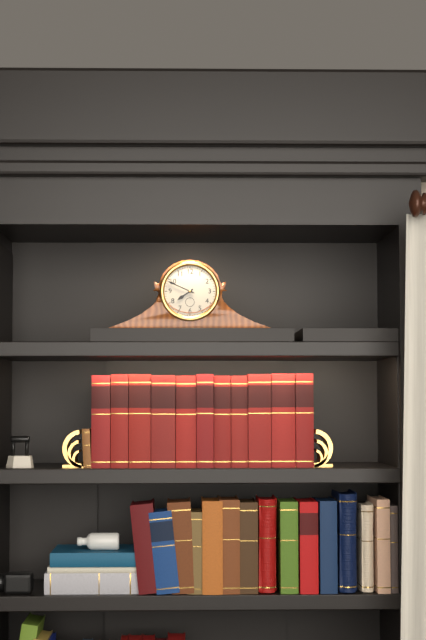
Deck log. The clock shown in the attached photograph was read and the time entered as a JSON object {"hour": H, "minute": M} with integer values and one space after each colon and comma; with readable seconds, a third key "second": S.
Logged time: {"hour": 7, "minute": 49}
